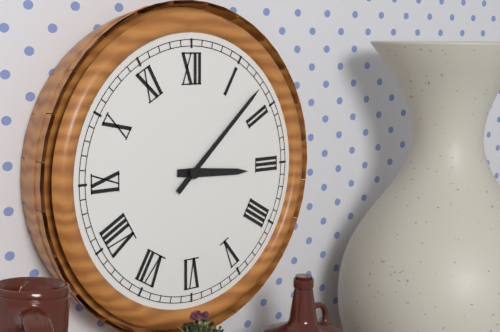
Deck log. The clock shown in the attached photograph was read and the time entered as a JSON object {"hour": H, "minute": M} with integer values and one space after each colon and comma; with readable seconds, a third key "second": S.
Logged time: {"hour": 3, "minute": 8}
